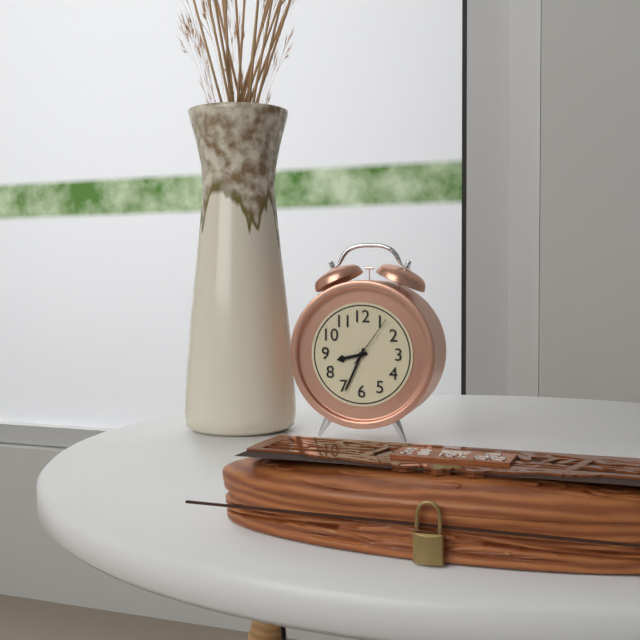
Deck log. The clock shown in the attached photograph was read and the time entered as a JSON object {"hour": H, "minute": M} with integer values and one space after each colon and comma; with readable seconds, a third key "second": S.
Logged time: {"hour": 8, "minute": 34, "second": 6}
